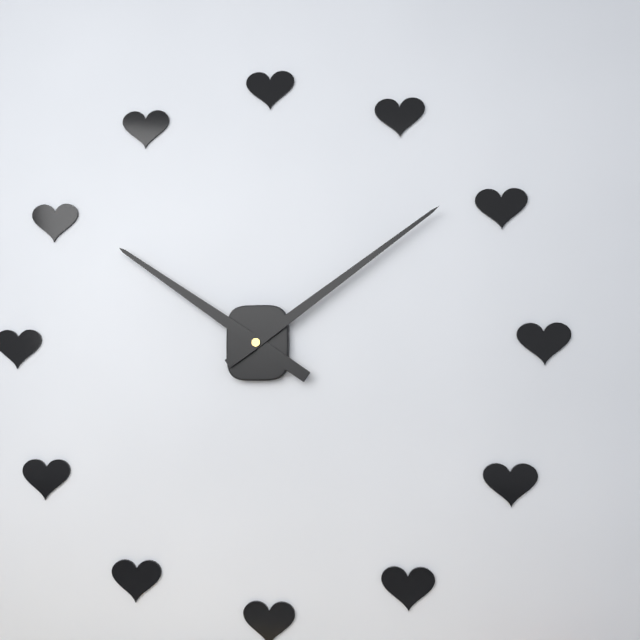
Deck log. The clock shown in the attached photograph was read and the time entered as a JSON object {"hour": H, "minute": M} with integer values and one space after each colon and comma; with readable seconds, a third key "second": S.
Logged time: {"hour": 10, "minute": 9}
